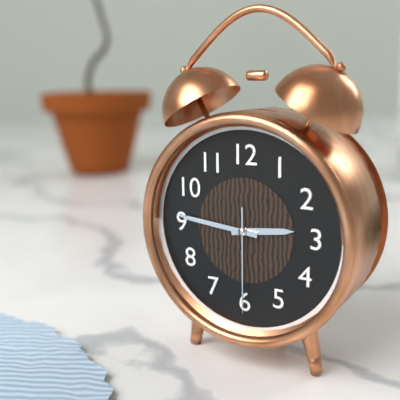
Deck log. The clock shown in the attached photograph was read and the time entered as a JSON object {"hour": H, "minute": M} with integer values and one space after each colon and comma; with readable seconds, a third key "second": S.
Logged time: {"hour": 2, "minute": 46, "second": 30}
